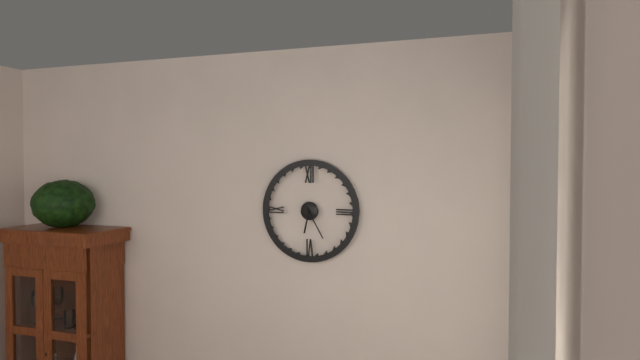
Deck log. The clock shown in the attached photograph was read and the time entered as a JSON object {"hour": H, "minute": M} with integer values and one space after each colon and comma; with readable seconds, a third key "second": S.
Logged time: {"hour": 6, "minute": 25}
